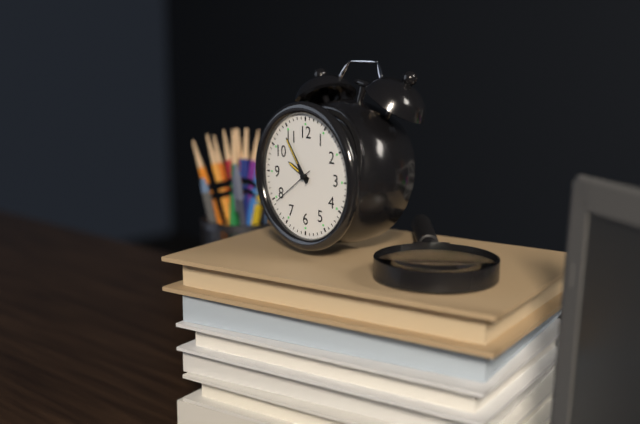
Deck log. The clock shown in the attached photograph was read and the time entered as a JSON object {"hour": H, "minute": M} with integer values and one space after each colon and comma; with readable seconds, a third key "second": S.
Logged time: {"hour": 9, "minute": 54}
